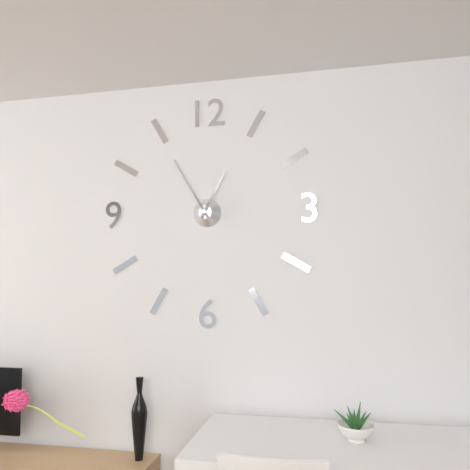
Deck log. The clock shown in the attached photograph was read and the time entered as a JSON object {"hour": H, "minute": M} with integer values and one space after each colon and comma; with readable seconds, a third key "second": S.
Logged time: {"hour": 12, "minute": 55}
